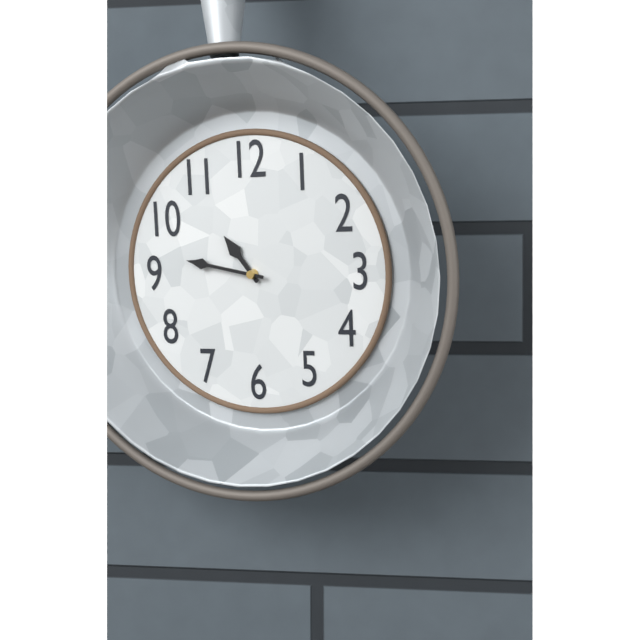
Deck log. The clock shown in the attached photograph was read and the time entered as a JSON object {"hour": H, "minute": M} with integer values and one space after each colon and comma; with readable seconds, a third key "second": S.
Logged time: {"hour": 10, "minute": 47}
